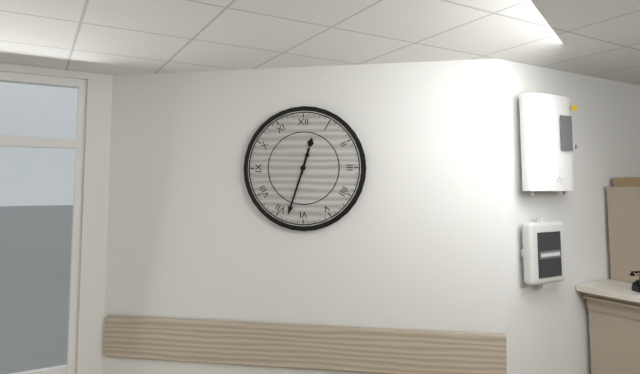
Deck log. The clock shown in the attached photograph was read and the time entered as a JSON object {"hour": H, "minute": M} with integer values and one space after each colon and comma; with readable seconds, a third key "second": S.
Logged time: {"hour": 12, "minute": 33}
